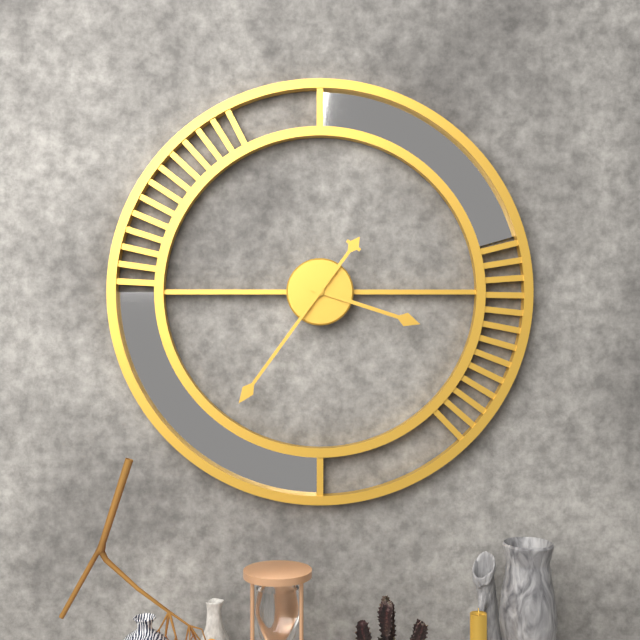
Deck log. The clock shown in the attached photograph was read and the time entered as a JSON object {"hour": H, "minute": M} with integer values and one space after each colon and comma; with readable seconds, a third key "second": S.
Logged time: {"hour": 3, "minute": 36}
